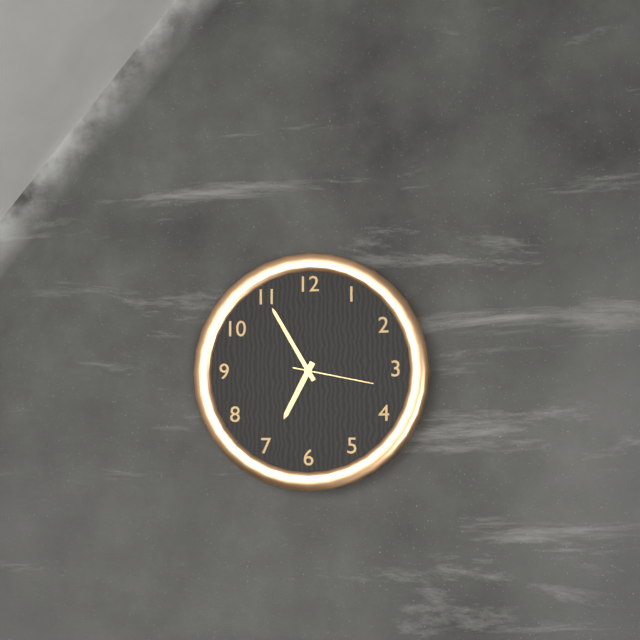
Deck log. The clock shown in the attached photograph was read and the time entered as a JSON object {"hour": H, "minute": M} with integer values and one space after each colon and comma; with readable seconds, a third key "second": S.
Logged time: {"hour": 6, "minute": 55, "second": 17}
